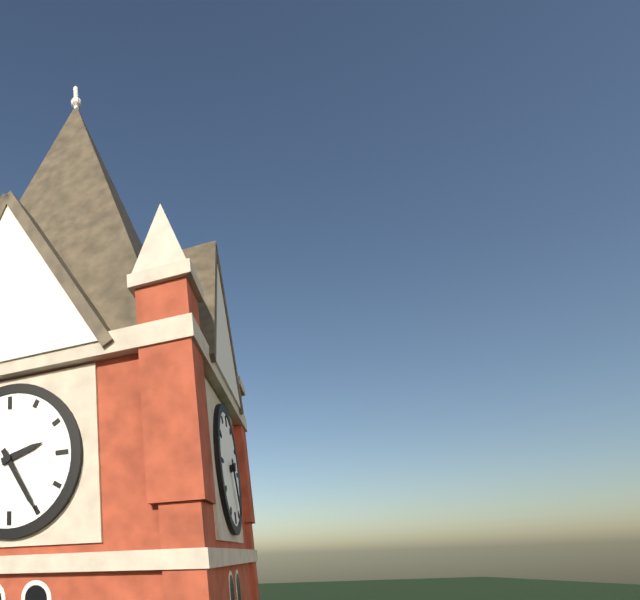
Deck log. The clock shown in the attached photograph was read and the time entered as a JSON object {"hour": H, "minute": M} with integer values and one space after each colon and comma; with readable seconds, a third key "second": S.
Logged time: {"hour": 2, "minute": 25}
